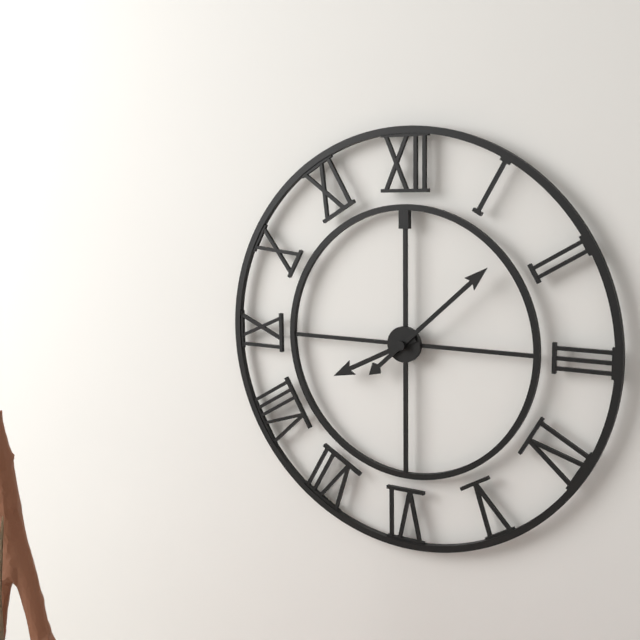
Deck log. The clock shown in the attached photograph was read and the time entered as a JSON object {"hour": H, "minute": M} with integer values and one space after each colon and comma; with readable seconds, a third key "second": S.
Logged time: {"hour": 8, "minute": 8}
